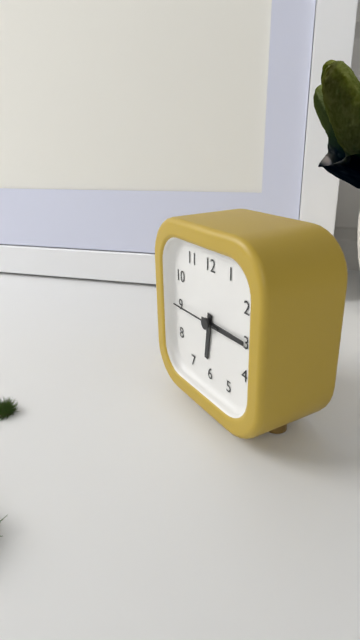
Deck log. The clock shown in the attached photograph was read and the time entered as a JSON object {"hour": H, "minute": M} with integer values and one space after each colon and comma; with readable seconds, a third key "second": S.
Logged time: {"hour": 6, "minute": 15}
